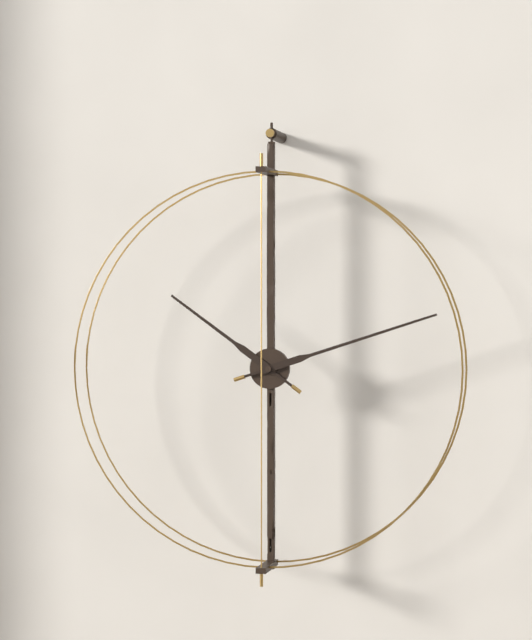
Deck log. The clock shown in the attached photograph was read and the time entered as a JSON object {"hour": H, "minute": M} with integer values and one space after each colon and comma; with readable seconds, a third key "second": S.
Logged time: {"hour": 10, "minute": 12}
